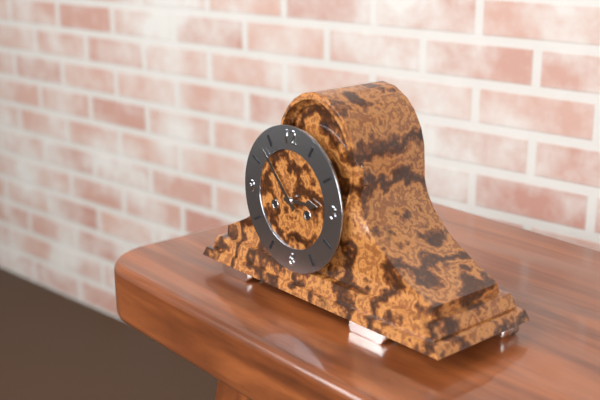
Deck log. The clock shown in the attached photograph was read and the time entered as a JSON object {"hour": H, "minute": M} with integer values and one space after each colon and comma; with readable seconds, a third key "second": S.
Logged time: {"hour": 2, "minute": 53}
